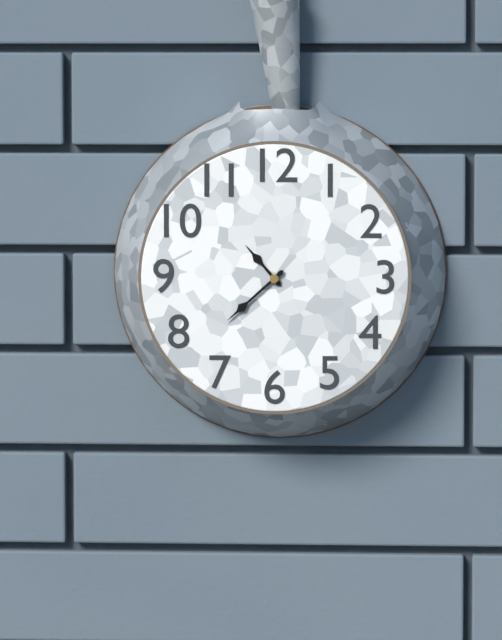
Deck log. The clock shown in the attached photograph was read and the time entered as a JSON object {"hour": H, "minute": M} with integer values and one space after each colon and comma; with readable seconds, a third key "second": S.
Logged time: {"hour": 10, "minute": 38}
